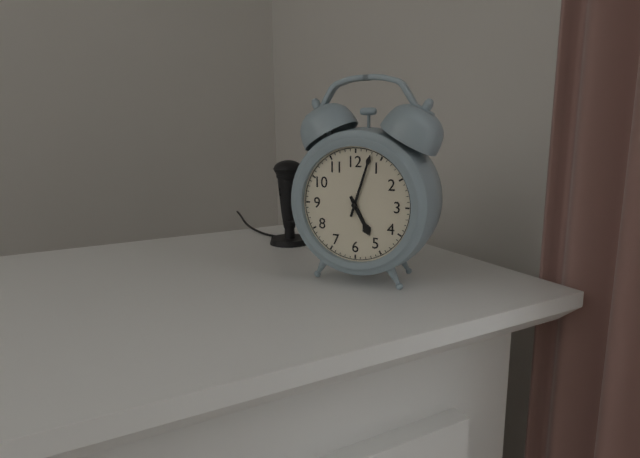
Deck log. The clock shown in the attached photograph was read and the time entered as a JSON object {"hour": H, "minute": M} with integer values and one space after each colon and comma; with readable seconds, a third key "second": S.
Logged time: {"hour": 5, "minute": 3}
